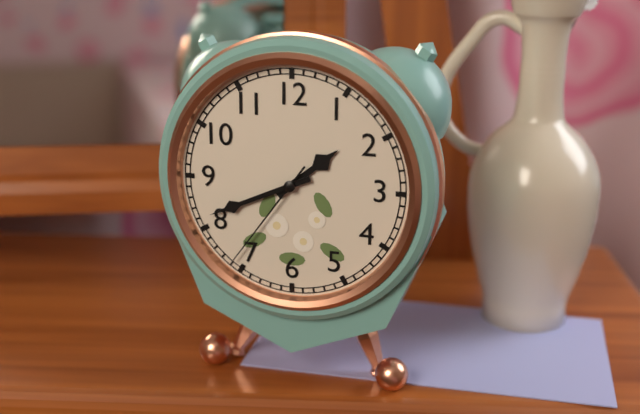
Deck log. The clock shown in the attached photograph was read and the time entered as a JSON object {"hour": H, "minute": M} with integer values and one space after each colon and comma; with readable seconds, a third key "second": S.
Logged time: {"hour": 1, "minute": 41, "second": 36}
